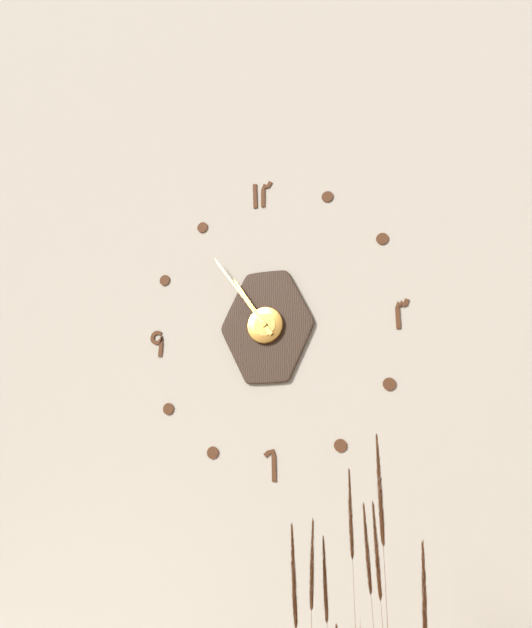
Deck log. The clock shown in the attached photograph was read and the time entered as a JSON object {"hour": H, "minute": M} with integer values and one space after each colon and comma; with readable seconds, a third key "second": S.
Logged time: {"hour": 10, "minute": 54}
